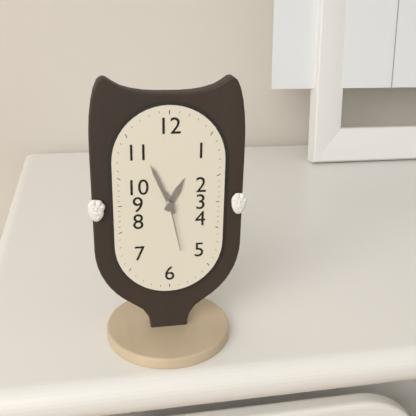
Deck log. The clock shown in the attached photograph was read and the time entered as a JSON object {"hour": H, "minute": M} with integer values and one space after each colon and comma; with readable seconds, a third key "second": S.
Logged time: {"hour": 12, "minute": 56, "second": 28}
